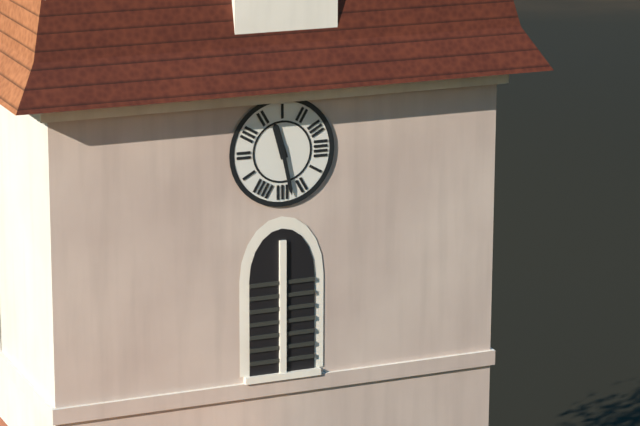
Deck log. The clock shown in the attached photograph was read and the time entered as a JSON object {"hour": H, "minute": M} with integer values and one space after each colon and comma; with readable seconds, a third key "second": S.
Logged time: {"hour": 11, "minute": 28}
